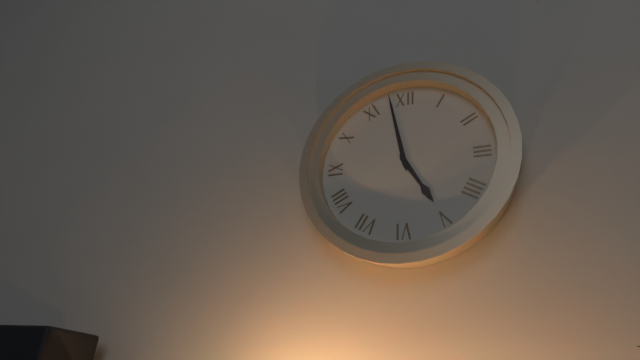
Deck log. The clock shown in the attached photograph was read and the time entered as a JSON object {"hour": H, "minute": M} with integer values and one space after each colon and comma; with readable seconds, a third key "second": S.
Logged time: {"hour": 4, "minute": 58}
